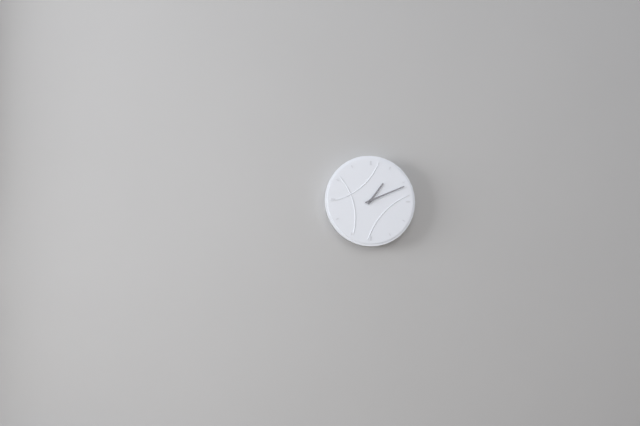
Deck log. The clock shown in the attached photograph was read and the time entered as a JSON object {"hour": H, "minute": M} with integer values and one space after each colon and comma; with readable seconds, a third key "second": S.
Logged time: {"hour": 1, "minute": 11}
